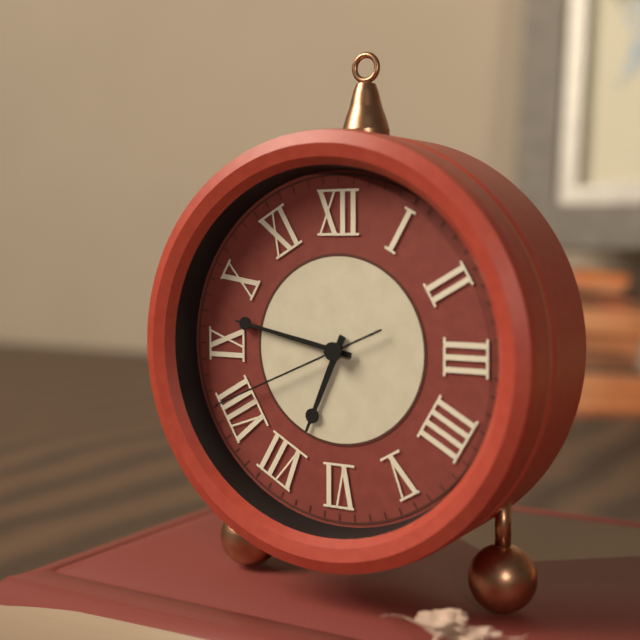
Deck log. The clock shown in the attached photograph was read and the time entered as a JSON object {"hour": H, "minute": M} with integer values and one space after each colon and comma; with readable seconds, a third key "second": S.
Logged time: {"hour": 6, "minute": 47, "second": 41}
